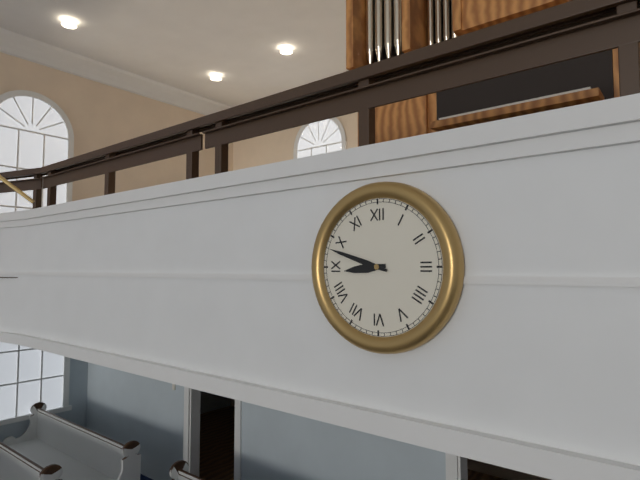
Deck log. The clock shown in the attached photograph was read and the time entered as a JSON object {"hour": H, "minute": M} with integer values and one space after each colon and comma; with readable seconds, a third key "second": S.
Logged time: {"hour": 8, "minute": 48}
